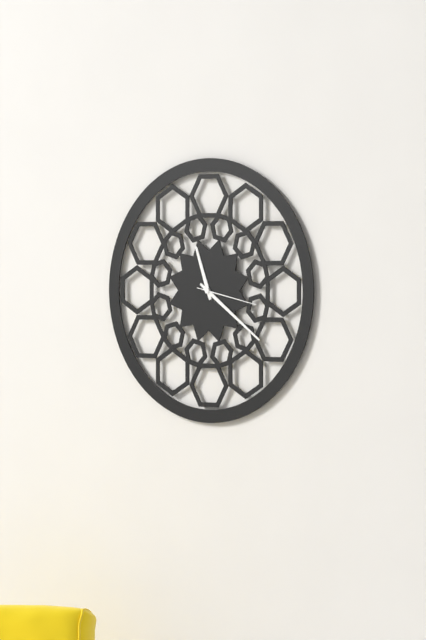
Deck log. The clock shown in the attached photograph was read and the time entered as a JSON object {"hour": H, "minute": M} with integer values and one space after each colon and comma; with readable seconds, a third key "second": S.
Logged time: {"hour": 11, "minute": 21, "second": 17}
